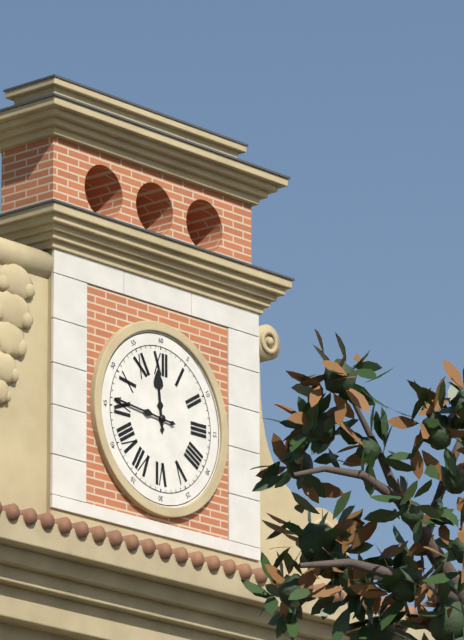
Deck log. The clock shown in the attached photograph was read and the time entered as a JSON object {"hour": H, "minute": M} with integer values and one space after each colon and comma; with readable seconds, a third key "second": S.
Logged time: {"hour": 11, "minute": 46}
